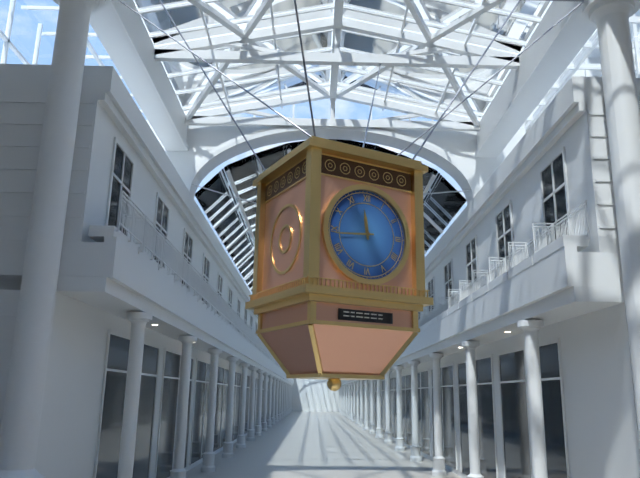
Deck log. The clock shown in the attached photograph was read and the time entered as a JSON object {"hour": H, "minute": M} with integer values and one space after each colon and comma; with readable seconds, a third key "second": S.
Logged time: {"hour": 11, "minute": 44}
